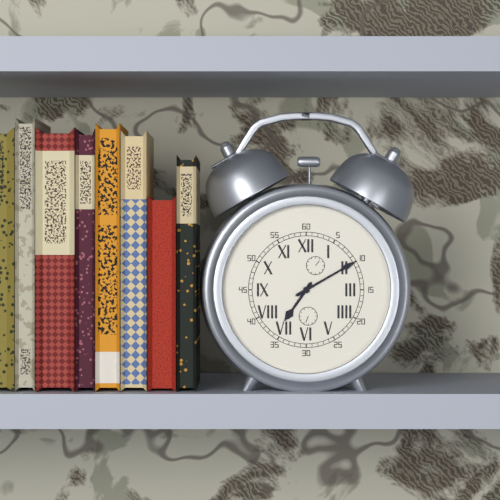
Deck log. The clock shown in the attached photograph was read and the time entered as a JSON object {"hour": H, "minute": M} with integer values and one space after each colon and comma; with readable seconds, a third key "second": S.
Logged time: {"hour": 7, "minute": 10}
